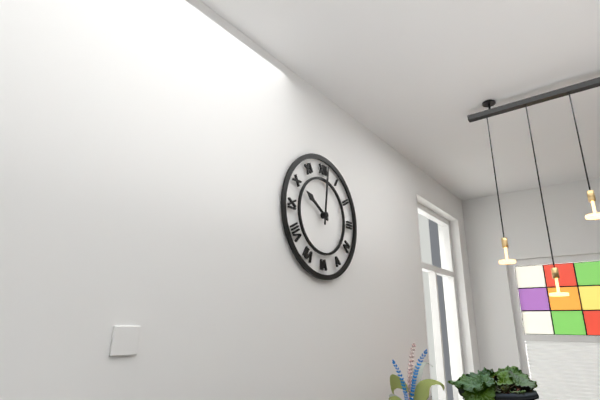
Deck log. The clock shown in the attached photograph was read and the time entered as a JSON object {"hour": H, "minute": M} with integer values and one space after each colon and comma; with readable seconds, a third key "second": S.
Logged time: {"hour": 10, "minute": 1}
